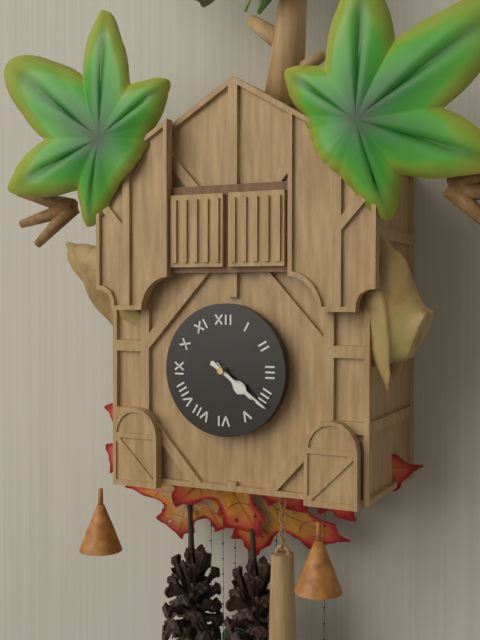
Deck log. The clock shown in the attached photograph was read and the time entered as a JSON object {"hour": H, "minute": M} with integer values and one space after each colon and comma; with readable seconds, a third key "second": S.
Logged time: {"hour": 4, "minute": 21}
